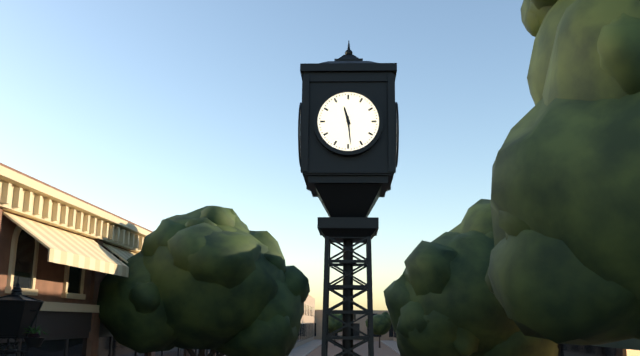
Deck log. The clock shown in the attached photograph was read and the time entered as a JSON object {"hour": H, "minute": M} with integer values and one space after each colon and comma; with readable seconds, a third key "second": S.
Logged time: {"hour": 11, "minute": 29}
